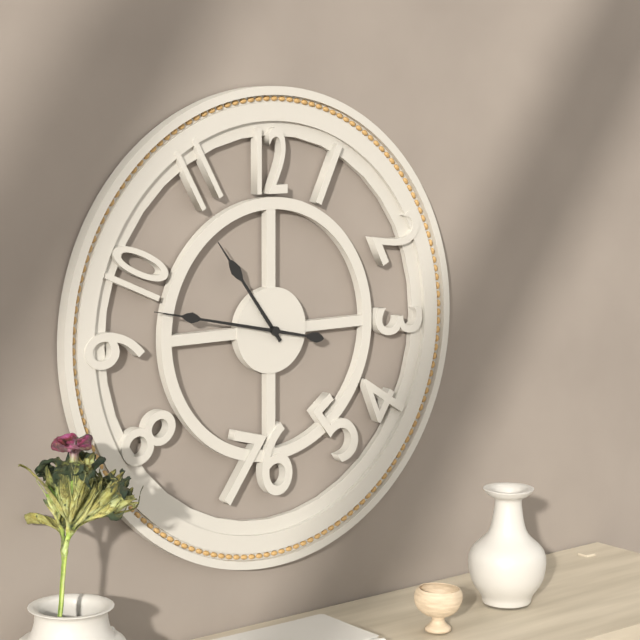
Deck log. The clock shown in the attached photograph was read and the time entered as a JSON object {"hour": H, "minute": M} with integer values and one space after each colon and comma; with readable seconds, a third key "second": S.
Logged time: {"hour": 10, "minute": 47}
